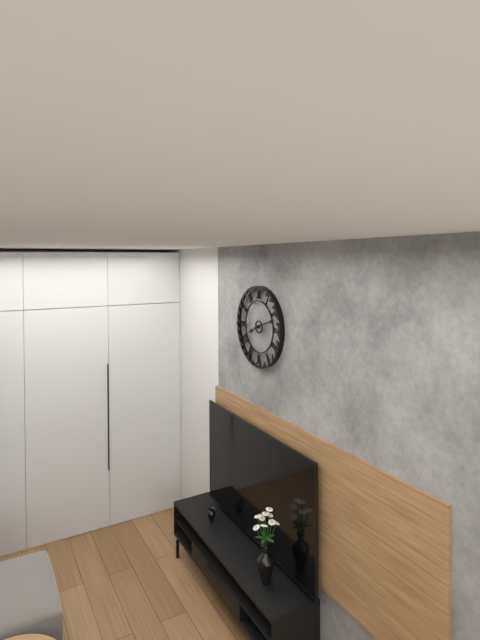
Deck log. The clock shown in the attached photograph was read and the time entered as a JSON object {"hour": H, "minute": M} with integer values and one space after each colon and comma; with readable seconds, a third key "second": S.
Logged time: {"hour": 8, "minute": 12}
